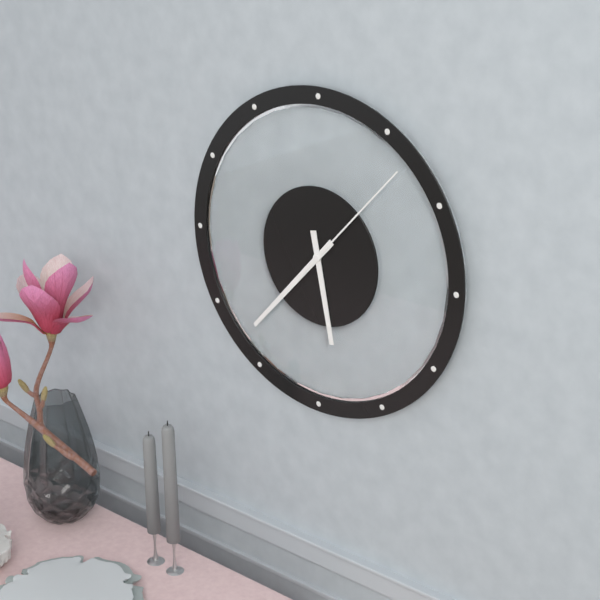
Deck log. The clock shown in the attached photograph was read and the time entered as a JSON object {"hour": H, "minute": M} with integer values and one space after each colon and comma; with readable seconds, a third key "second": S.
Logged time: {"hour": 5, "minute": 37, "second": 7}
